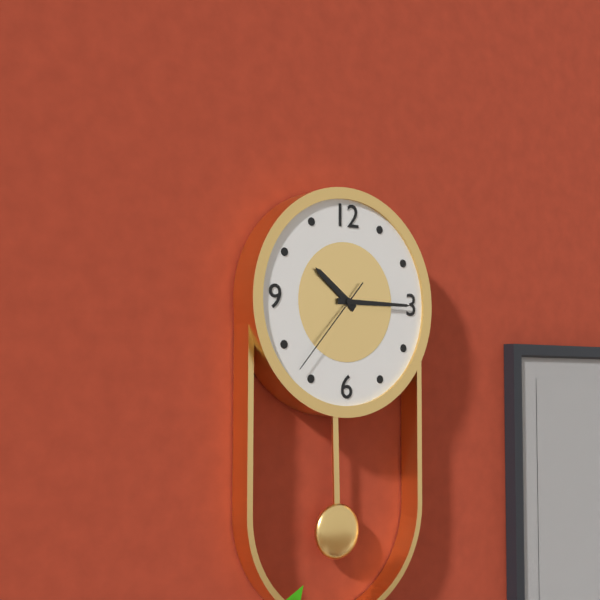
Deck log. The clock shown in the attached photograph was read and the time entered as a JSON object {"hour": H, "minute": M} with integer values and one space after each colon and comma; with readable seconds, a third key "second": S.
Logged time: {"hour": 10, "minute": 15, "second": 37}
